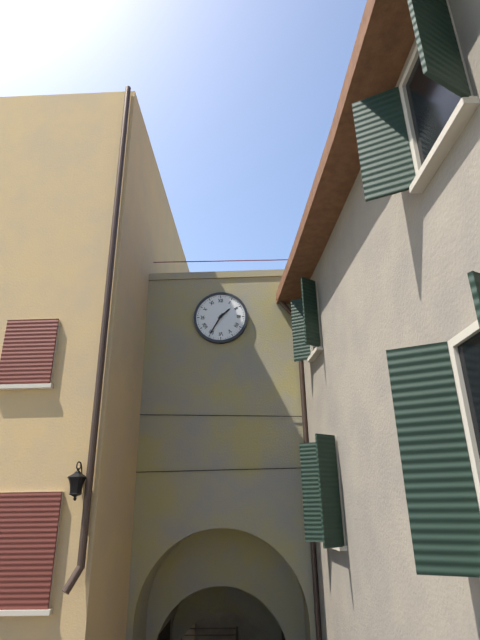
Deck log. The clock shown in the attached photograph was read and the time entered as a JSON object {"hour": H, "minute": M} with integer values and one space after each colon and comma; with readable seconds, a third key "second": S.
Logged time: {"hour": 1, "minute": 35}
